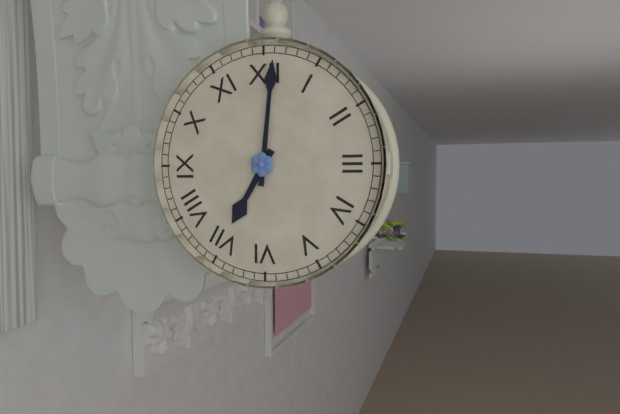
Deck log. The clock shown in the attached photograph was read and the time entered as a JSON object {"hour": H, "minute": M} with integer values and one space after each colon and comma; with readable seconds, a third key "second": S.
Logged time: {"hour": 7, "minute": 1}
